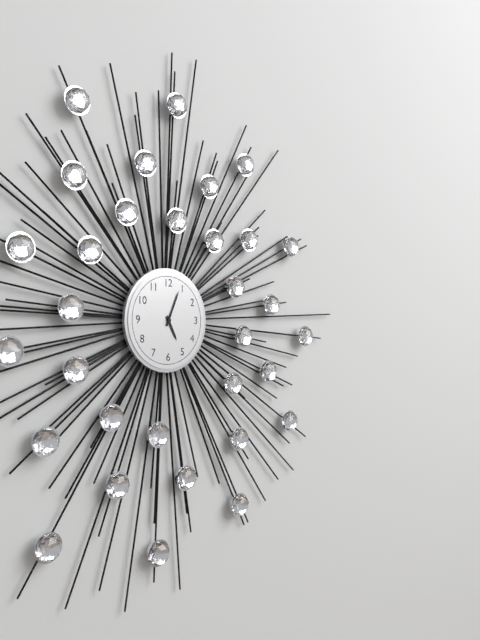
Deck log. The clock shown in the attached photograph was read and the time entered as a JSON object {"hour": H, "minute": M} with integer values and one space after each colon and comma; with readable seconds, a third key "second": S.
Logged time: {"hour": 5, "minute": 4}
